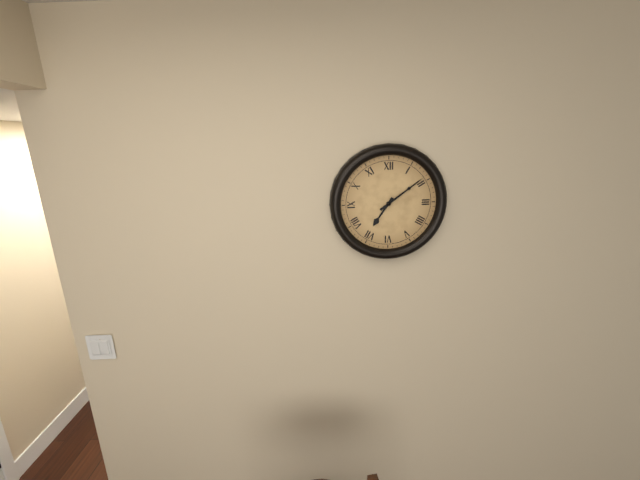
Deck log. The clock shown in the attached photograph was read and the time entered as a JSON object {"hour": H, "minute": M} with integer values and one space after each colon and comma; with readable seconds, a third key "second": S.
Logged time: {"hour": 7, "minute": 9}
